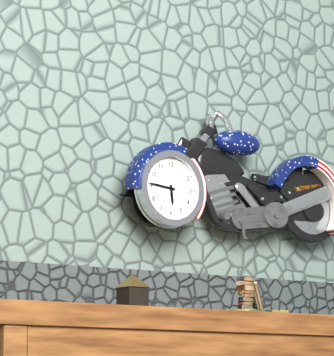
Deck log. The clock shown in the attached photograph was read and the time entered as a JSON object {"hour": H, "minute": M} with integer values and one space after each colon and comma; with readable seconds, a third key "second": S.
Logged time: {"hour": 5, "minute": 46}
